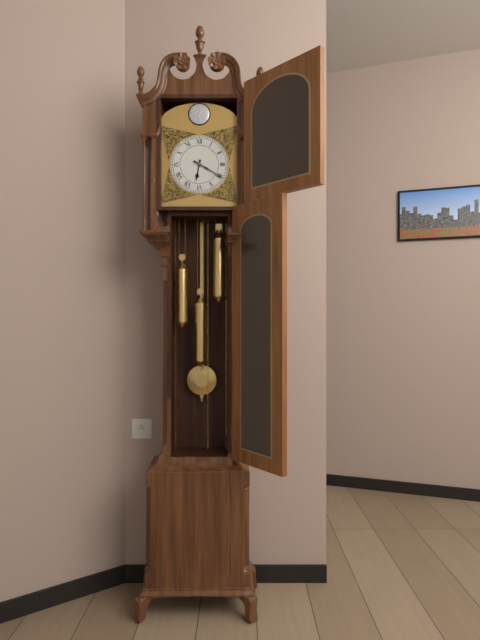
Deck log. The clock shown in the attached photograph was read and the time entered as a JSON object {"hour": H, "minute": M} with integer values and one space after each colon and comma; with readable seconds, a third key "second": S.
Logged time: {"hour": 6, "minute": 20}
